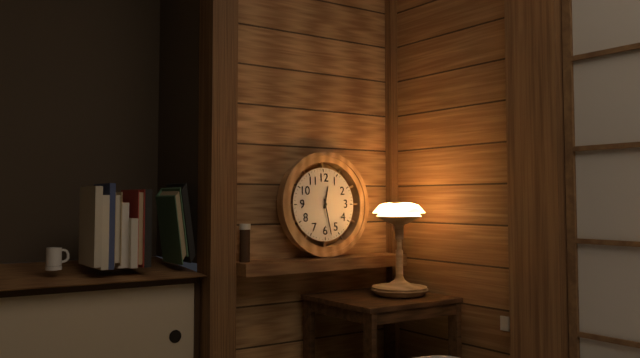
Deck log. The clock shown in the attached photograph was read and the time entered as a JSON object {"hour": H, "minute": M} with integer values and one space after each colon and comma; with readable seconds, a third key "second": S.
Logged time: {"hour": 12, "minute": 28}
